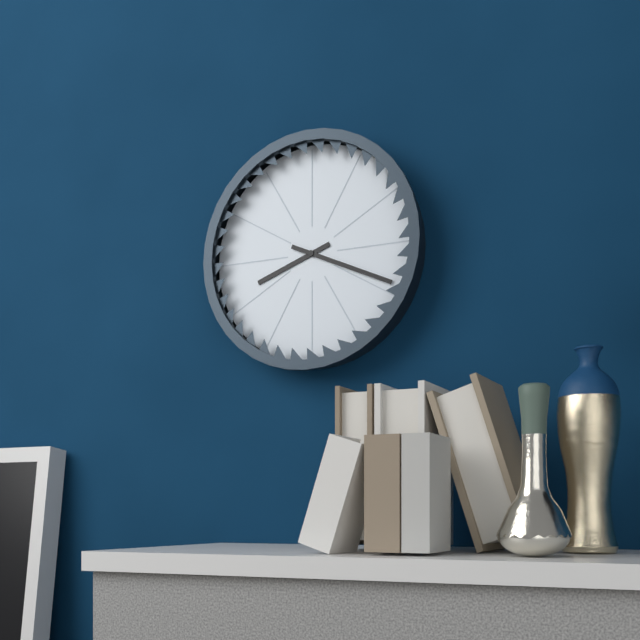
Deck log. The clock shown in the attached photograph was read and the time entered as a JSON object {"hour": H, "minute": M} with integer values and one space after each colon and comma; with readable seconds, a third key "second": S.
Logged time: {"hour": 8, "minute": 19}
